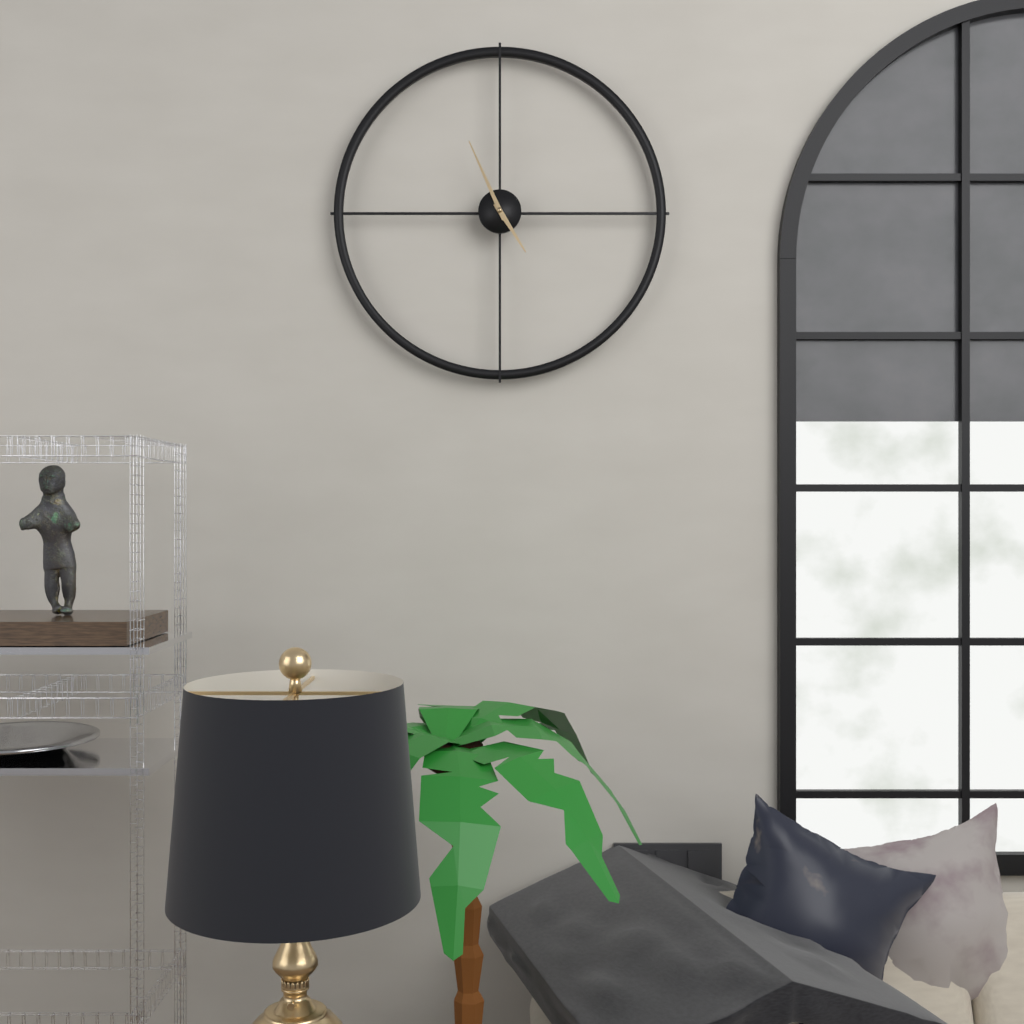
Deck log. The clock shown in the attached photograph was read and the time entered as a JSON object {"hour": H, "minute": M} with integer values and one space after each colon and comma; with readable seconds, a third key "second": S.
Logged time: {"hour": 4, "minute": 56}
